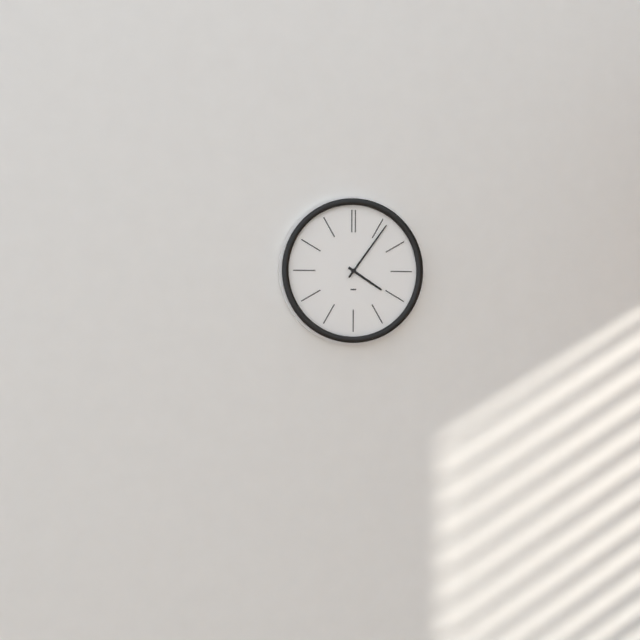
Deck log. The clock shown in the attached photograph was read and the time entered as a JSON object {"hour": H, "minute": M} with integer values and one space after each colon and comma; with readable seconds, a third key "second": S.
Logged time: {"hour": 4, "minute": 6}
